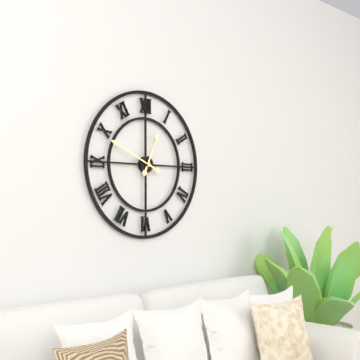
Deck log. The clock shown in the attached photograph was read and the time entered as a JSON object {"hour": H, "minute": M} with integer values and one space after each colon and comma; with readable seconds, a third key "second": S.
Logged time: {"hour": 12, "minute": 49}
